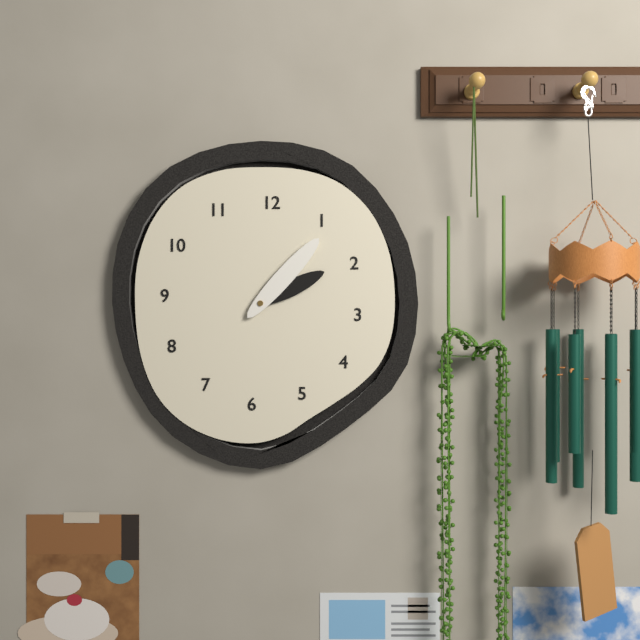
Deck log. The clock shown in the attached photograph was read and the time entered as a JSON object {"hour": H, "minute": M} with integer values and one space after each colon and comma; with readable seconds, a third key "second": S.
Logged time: {"hour": 2, "minute": 7}
